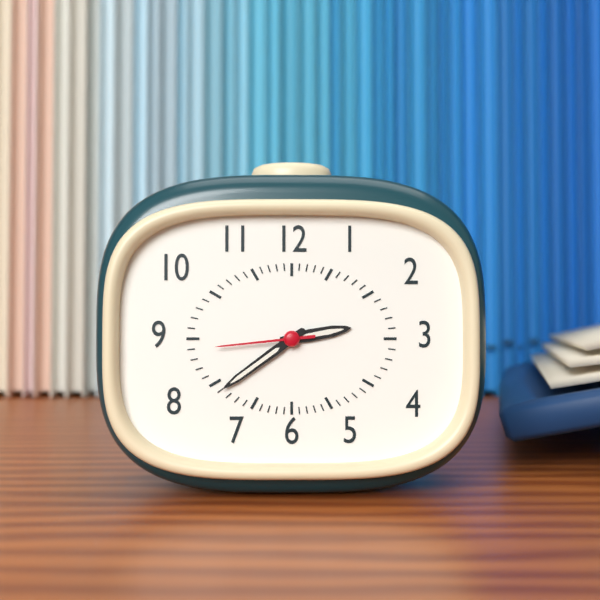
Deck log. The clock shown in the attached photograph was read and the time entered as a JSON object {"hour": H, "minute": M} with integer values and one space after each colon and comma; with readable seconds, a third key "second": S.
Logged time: {"hour": 2, "minute": 39, "second": 44}
